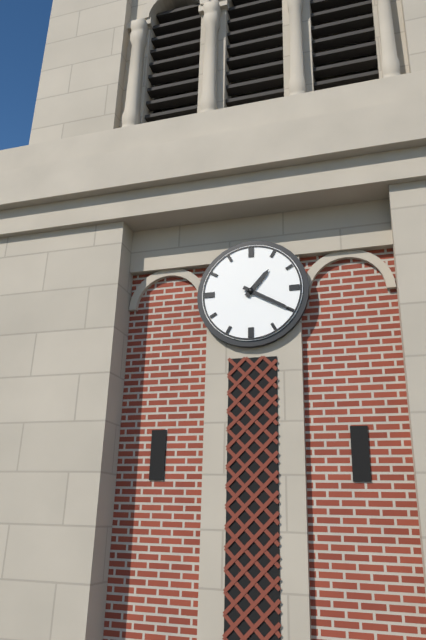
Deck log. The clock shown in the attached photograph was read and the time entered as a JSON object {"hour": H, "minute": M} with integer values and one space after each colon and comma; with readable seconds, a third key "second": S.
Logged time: {"hour": 1, "minute": 20}
